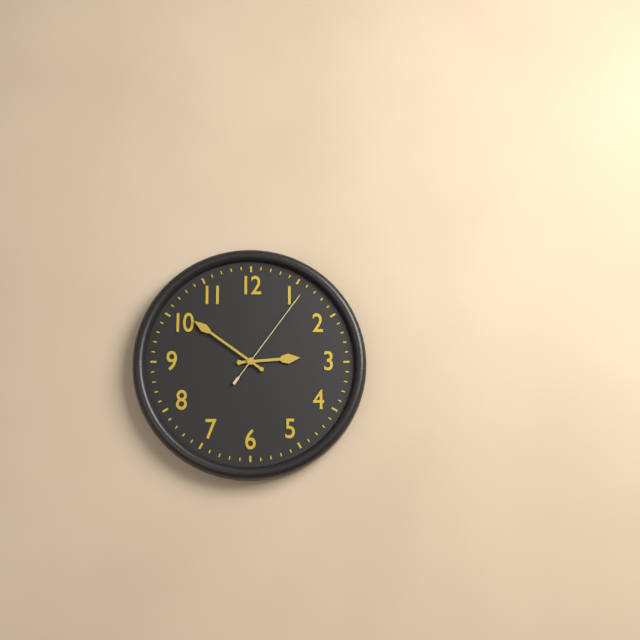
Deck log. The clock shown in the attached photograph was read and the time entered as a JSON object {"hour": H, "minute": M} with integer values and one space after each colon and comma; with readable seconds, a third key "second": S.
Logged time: {"hour": 2, "minute": 51, "second": 6}
